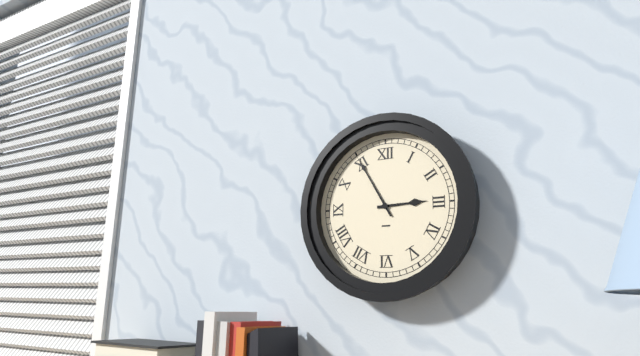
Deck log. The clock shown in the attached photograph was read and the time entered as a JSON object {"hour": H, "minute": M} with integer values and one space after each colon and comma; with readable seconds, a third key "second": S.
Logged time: {"hour": 2, "minute": 55}
